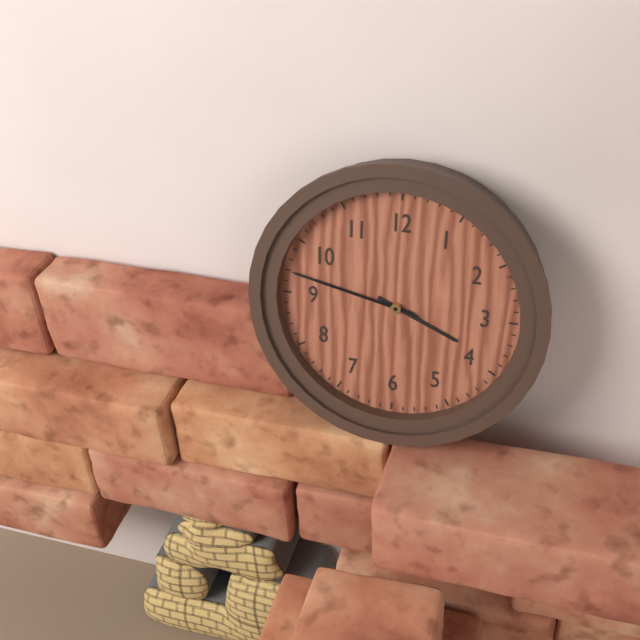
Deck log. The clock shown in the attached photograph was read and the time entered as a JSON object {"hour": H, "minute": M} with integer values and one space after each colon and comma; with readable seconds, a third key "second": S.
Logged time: {"hour": 3, "minute": 47, "second": 47}
